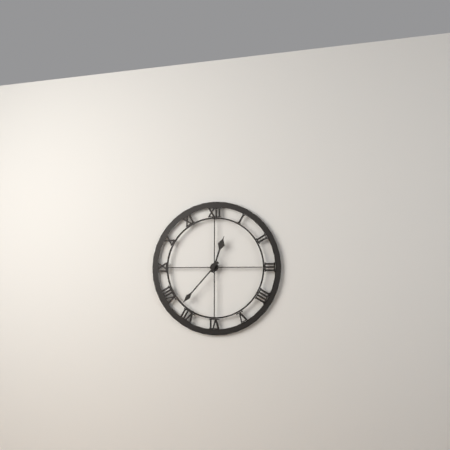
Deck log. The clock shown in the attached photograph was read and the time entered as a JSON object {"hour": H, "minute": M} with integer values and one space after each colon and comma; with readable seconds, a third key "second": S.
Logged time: {"hour": 12, "minute": 37}
